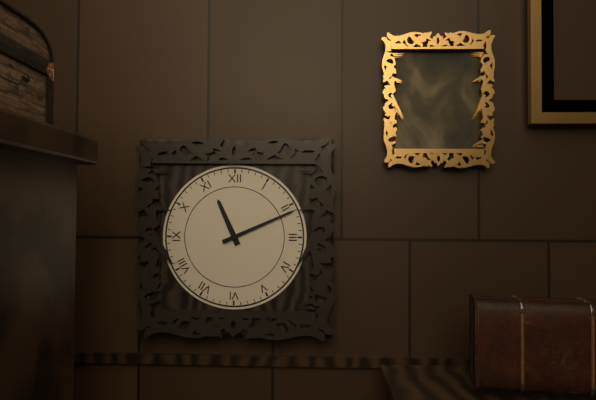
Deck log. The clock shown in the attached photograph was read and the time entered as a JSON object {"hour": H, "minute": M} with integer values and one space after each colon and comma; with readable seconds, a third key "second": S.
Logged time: {"hour": 11, "minute": 11}
